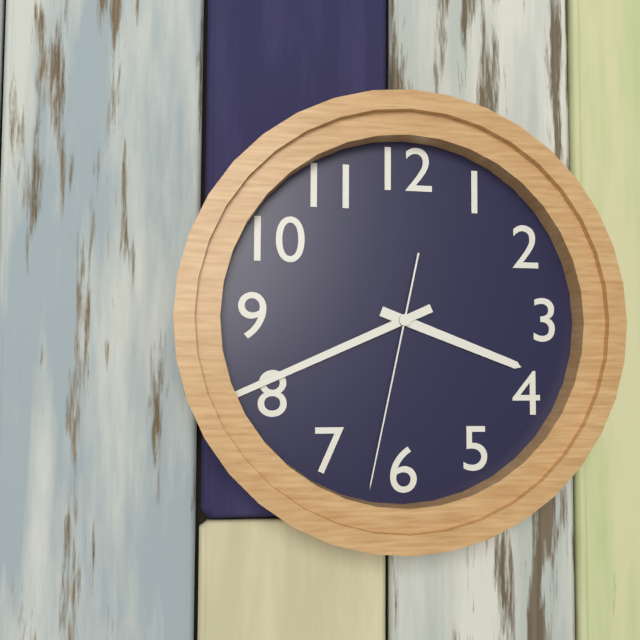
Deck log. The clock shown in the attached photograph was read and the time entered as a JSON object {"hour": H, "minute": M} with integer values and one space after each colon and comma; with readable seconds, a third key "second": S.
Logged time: {"hour": 3, "minute": 41, "second": 32}
